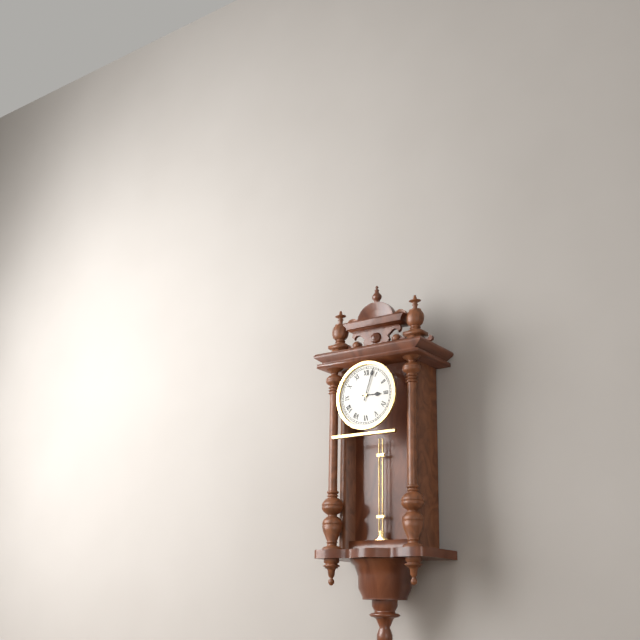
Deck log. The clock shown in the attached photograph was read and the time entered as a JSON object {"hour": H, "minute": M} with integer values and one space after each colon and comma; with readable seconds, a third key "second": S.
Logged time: {"hour": 3, "minute": 3}
